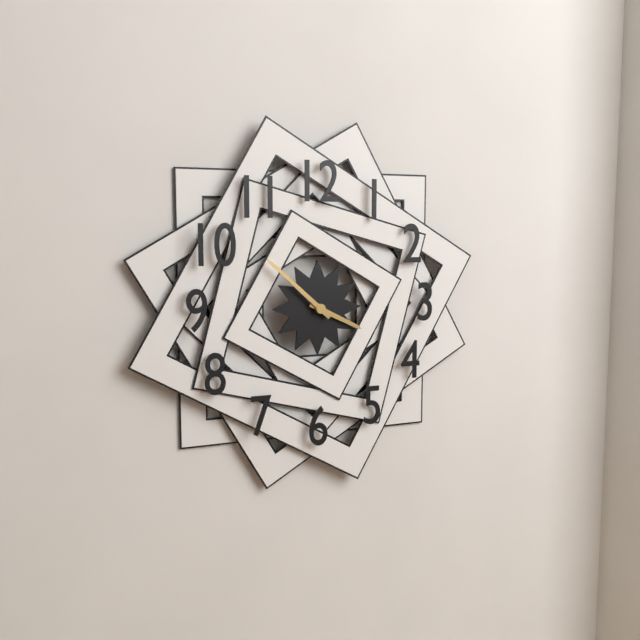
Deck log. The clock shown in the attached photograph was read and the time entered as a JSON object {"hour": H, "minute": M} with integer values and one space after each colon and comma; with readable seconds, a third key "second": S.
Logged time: {"hour": 3, "minute": 52}
